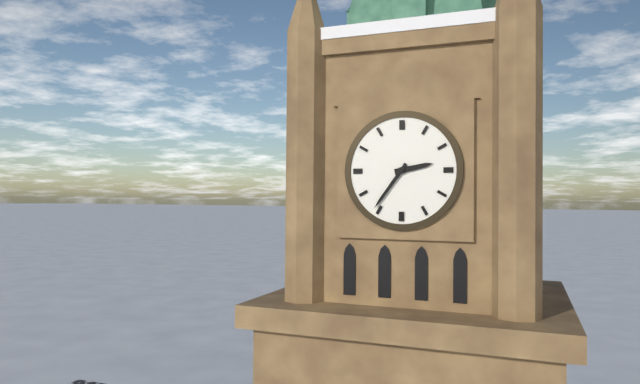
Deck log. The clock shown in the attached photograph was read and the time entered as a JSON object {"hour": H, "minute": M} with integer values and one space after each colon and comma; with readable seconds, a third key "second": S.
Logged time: {"hour": 2, "minute": 36}
